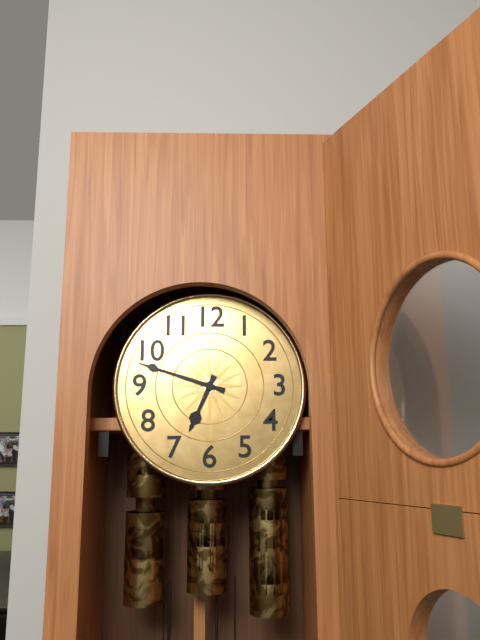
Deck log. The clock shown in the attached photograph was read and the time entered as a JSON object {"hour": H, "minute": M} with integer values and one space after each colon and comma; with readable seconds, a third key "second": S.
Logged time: {"hour": 6, "minute": 48}
